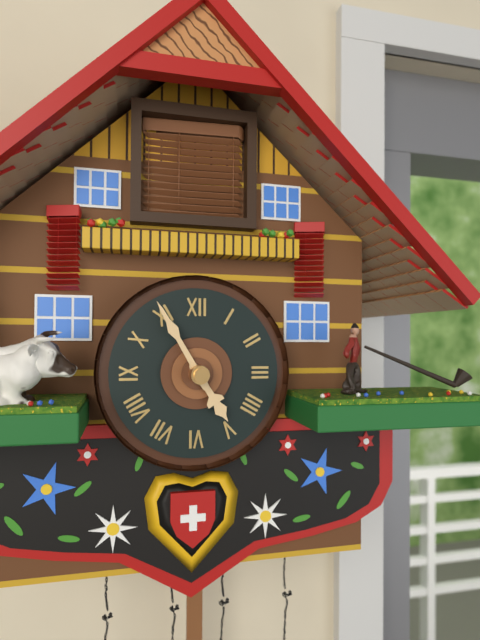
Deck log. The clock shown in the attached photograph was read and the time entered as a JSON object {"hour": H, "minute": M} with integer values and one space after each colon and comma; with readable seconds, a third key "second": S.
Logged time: {"hour": 4, "minute": 55}
